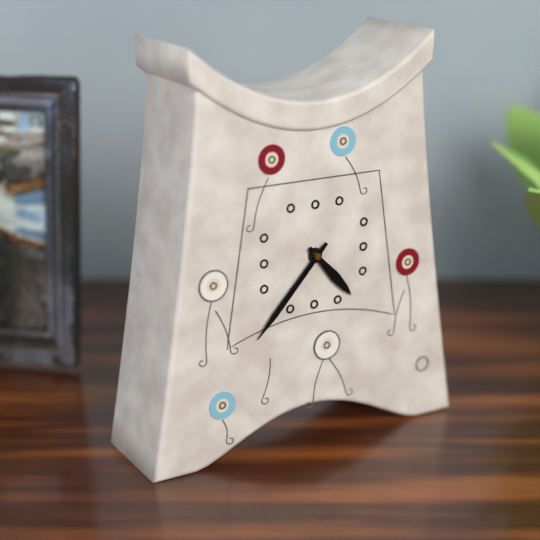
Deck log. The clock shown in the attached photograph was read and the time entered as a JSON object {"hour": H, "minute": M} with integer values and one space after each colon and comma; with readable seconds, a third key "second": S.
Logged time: {"hour": 4, "minute": 37}
